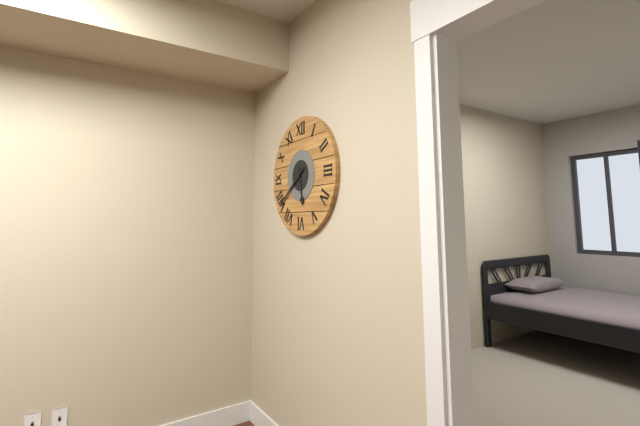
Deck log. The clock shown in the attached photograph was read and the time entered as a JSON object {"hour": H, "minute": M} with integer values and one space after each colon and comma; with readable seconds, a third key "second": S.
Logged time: {"hour": 5, "minute": 39}
